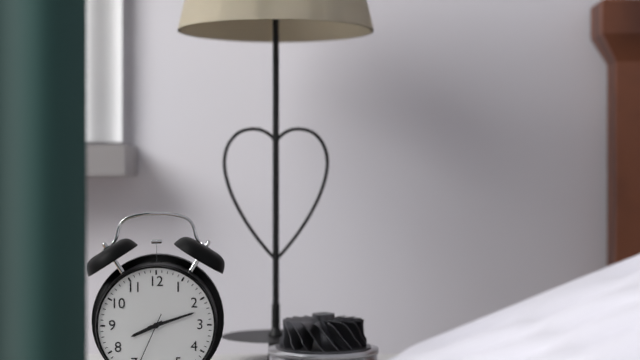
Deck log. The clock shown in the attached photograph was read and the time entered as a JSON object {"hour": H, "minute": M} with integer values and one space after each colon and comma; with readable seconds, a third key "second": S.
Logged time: {"hour": 8, "minute": 12}
